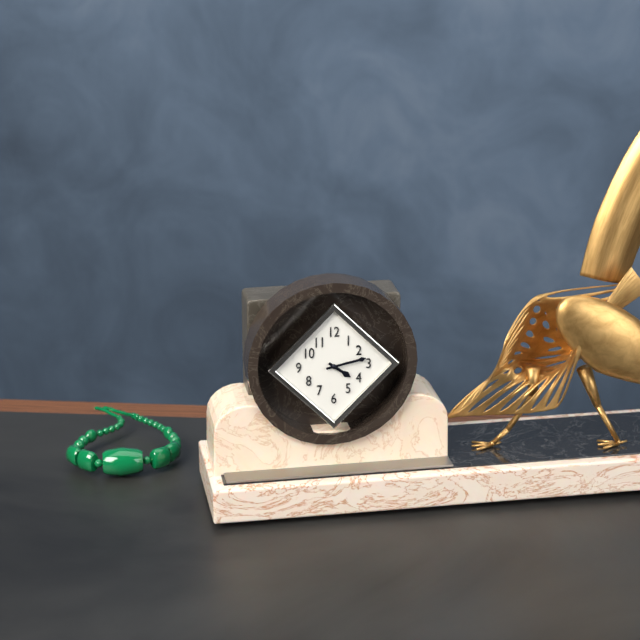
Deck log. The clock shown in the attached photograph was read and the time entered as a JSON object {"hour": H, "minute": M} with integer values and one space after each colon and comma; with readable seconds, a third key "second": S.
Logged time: {"hour": 4, "minute": 13}
